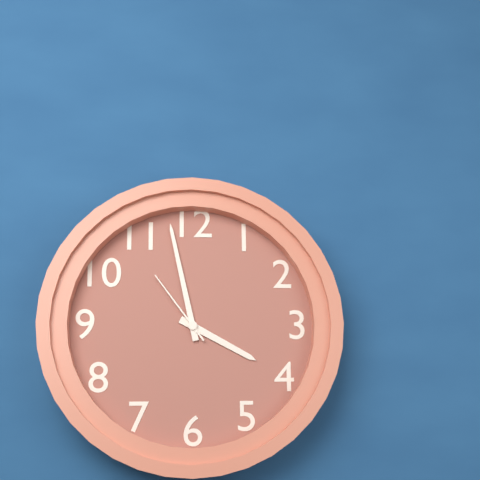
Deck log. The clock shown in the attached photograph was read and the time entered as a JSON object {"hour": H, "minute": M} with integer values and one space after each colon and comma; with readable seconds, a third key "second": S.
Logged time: {"hour": 3, "minute": 58, "second": 54}
